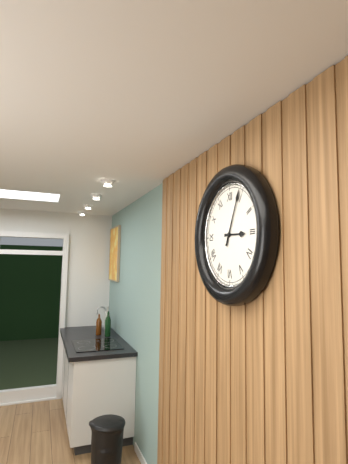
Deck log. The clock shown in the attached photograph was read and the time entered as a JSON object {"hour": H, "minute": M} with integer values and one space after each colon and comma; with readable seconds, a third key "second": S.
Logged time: {"hour": 3, "minute": 4}
